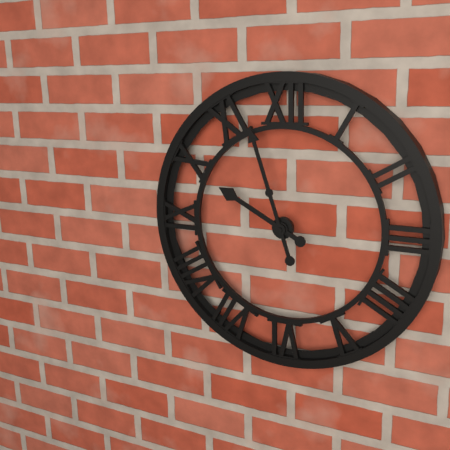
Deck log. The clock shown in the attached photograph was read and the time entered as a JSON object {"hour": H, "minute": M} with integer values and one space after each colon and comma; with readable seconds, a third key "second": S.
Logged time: {"hour": 9, "minute": 57}
